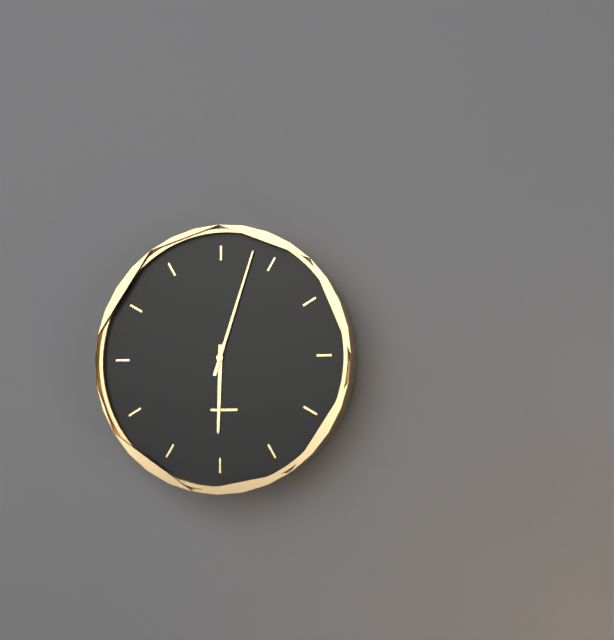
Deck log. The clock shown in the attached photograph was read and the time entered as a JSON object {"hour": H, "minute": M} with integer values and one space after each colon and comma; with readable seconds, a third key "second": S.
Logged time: {"hour": 6, "minute": 3}
